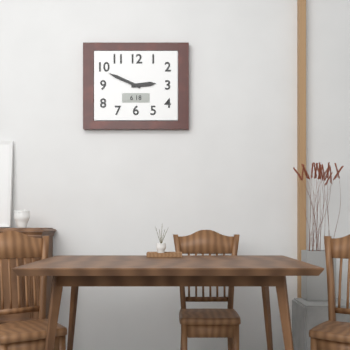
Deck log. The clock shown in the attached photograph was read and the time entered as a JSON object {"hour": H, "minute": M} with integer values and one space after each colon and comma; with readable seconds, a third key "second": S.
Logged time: {"hour": 2, "minute": 49}
